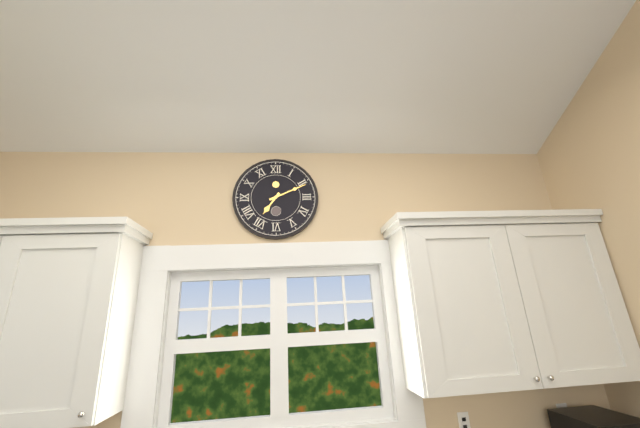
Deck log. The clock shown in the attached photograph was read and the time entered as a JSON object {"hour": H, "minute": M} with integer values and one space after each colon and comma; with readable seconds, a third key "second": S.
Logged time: {"hour": 7, "minute": 11}
